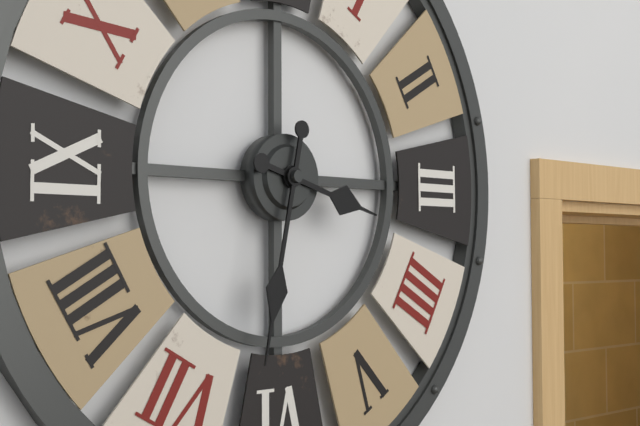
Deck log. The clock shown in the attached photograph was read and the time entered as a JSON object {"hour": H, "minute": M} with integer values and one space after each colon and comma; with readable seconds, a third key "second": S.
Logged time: {"hour": 3, "minute": 32}
